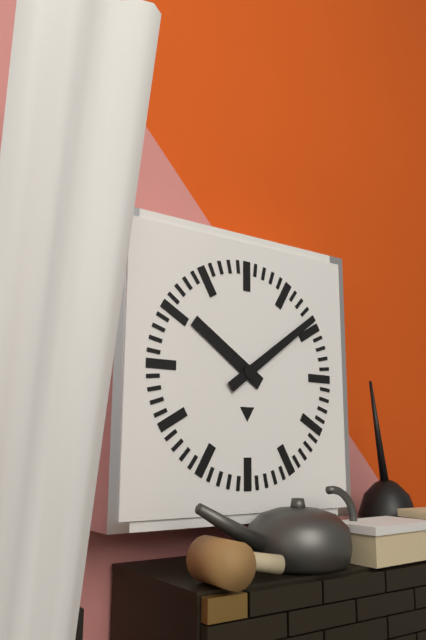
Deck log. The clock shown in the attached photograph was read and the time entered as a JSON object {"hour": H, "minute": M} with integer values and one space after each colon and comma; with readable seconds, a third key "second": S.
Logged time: {"hour": 10, "minute": 9}
